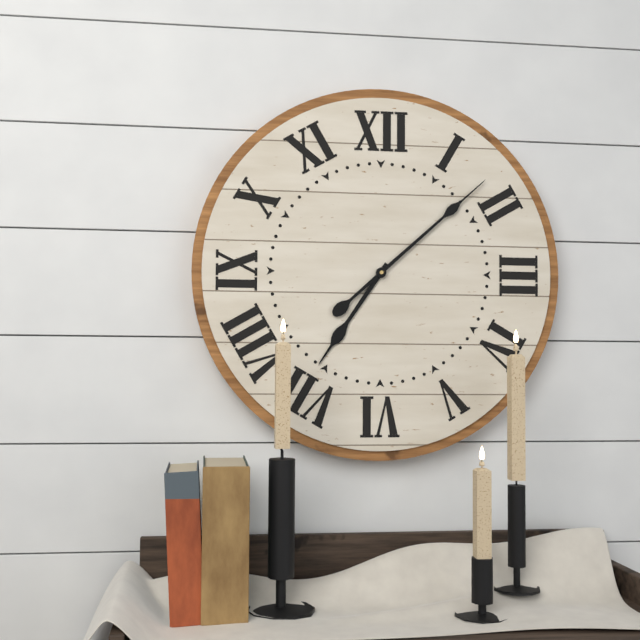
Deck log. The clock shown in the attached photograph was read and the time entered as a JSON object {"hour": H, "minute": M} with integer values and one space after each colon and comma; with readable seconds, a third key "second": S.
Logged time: {"hour": 7, "minute": 8}
